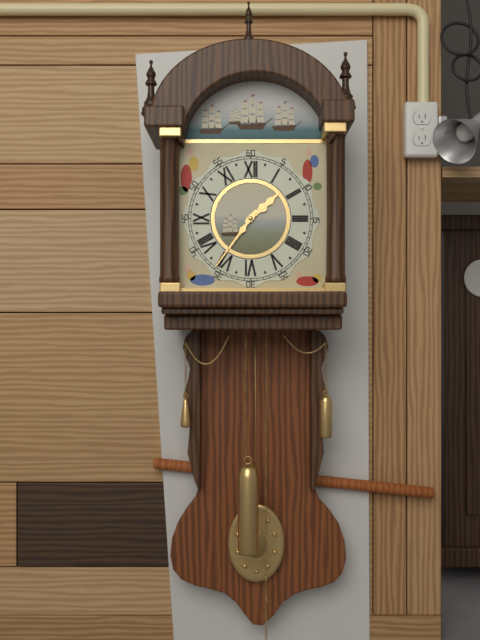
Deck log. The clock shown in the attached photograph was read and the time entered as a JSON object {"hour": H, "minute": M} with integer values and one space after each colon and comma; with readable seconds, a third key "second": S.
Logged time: {"hour": 1, "minute": 36}
